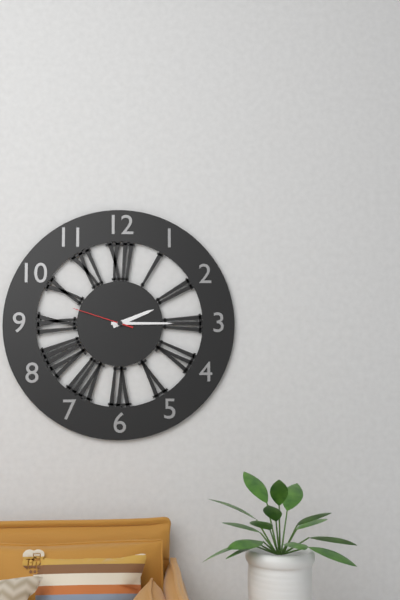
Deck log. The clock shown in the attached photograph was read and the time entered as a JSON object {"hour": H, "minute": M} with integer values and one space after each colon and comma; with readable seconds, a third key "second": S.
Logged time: {"hour": 2, "minute": 15, "second": 48}
